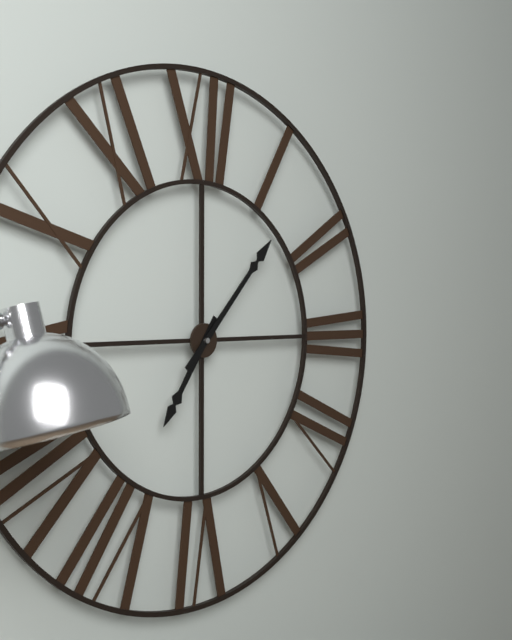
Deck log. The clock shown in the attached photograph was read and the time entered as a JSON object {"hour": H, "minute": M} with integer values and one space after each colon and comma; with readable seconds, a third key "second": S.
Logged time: {"hour": 7, "minute": 7}
